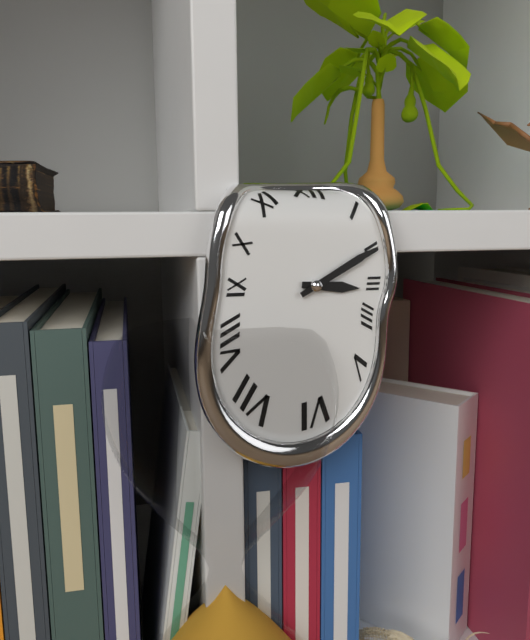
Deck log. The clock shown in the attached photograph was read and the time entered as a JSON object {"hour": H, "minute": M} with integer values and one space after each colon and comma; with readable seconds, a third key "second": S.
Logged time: {"hour": 3, "minute": 10}
